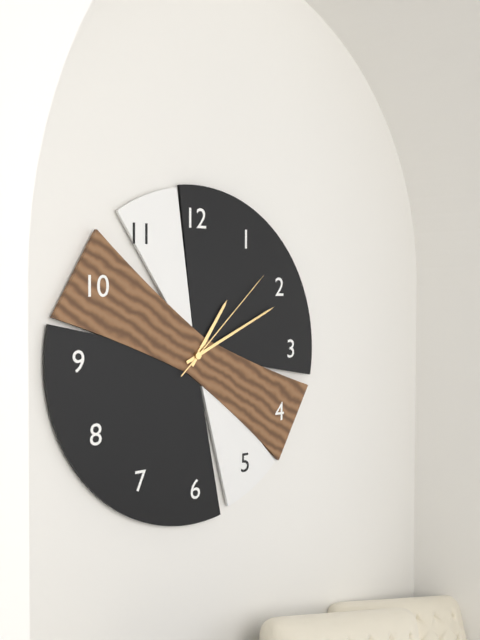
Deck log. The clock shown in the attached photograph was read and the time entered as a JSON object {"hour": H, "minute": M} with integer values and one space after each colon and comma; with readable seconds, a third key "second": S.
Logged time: {"hour": 1, "minute": 11, "second": 8}
